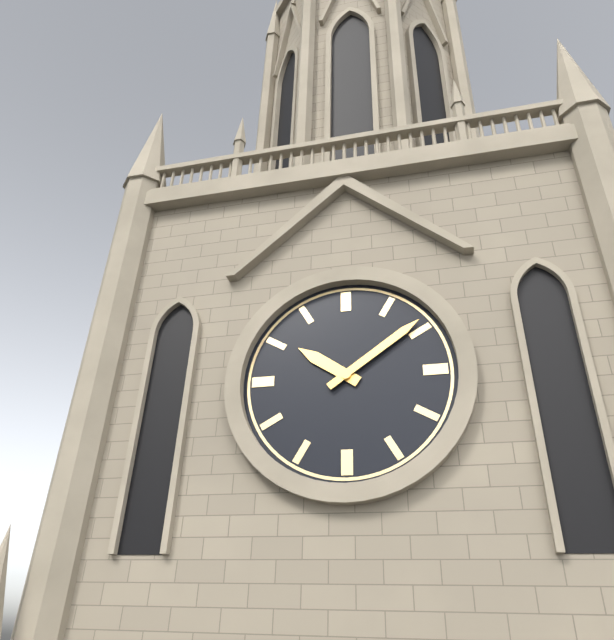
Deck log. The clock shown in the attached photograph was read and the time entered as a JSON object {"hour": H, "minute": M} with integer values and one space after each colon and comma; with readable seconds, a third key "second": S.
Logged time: {"hour": 10, "minute": 9}
